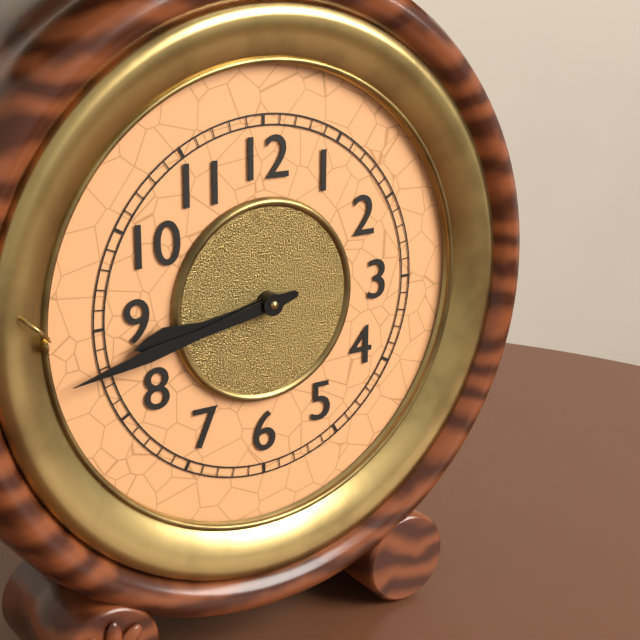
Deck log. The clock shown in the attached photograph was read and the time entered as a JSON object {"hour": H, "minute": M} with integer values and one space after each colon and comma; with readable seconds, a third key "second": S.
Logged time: {"hour": 8, "minute": 43}
